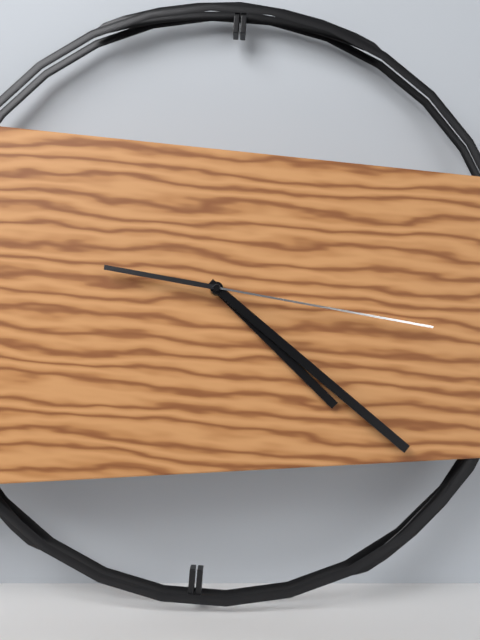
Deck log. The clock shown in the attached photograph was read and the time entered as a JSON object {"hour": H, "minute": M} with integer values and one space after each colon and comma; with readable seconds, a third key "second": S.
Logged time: {"hour": 4, "minute": 21, "second": 16}
